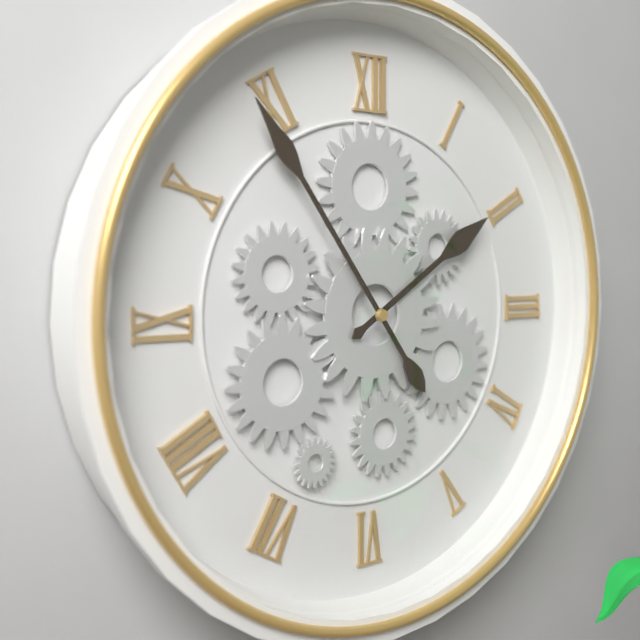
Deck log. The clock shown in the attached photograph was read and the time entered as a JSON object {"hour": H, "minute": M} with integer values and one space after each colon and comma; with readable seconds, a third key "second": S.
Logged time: {"hour": 1, "minute": 54}
